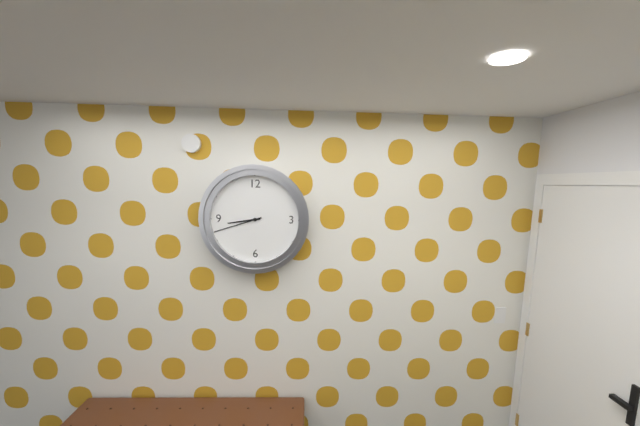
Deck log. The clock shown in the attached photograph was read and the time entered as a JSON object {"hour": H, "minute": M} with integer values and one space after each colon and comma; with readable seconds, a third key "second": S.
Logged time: {"hour": 8, "minute": 42}
